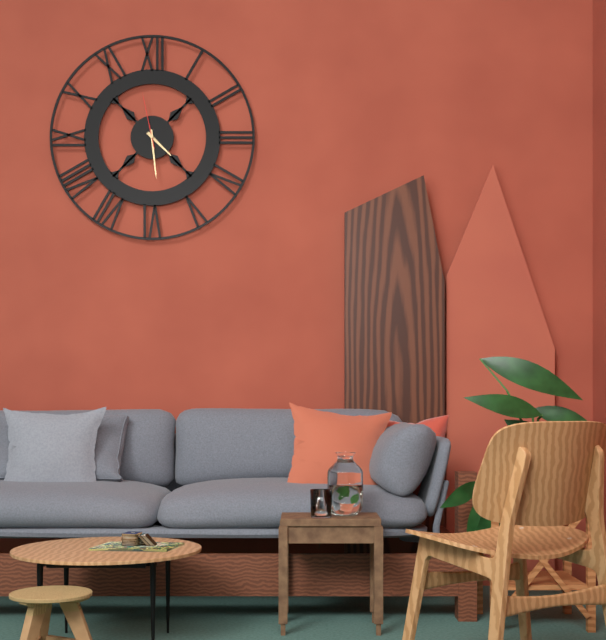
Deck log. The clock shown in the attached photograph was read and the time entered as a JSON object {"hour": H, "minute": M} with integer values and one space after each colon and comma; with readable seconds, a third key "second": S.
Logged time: {"hour": 4, "minute": 29, "second": 58}
